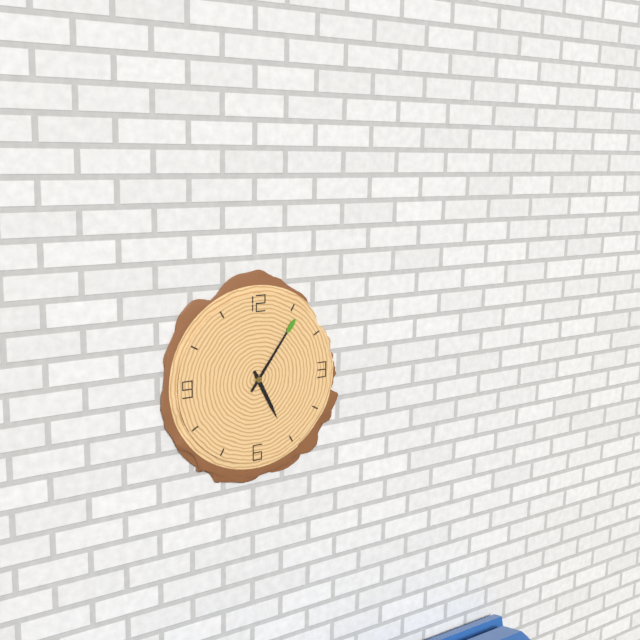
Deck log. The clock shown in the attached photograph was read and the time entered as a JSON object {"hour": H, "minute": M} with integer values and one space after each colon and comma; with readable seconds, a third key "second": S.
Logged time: {"hour": 5, "minute": 6}
